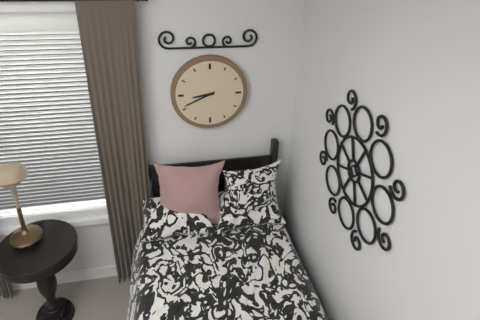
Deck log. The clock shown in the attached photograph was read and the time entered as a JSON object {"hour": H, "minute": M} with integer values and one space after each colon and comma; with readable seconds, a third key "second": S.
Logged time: {"hour": 8, "minute": 41}
